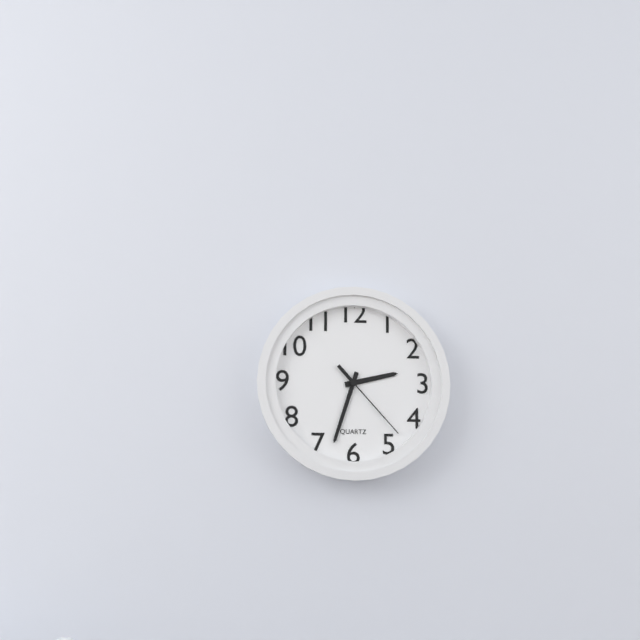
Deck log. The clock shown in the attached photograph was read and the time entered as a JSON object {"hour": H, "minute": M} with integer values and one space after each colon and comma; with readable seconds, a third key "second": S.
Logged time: {"hour": 2, "minute": 33, "second": 23}
